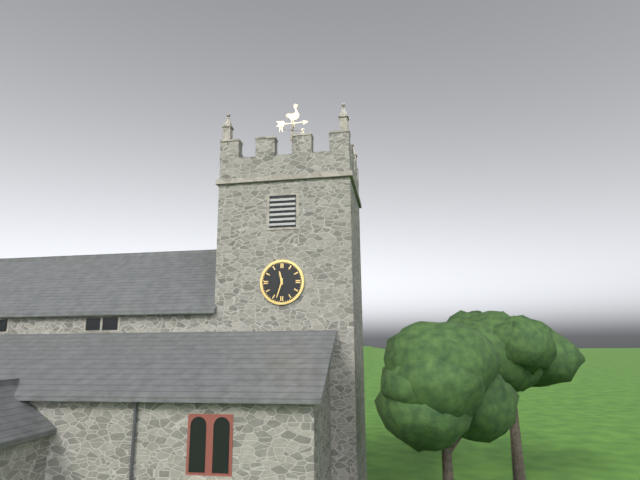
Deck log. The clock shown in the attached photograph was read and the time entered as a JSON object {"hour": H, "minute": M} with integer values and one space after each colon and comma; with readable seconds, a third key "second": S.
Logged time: {"hour": 11, "minute": 33}
